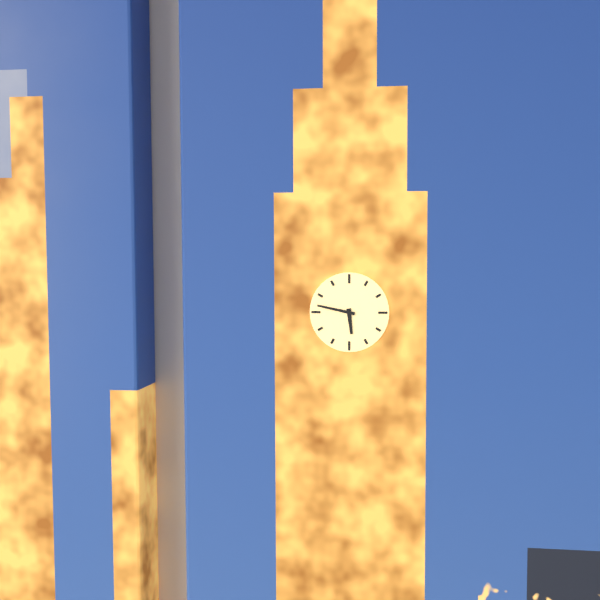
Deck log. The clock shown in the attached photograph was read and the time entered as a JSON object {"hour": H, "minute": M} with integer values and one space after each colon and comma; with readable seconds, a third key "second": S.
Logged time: {"hour": 5, "minute": 47}
